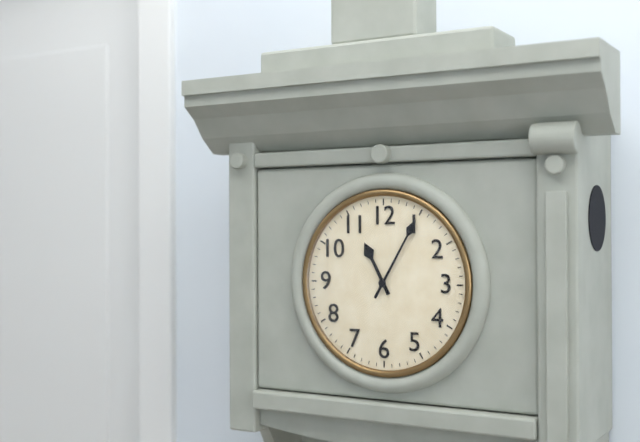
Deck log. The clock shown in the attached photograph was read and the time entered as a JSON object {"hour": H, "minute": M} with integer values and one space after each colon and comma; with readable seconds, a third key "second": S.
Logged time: {"hour": 11, "minute": 5}
